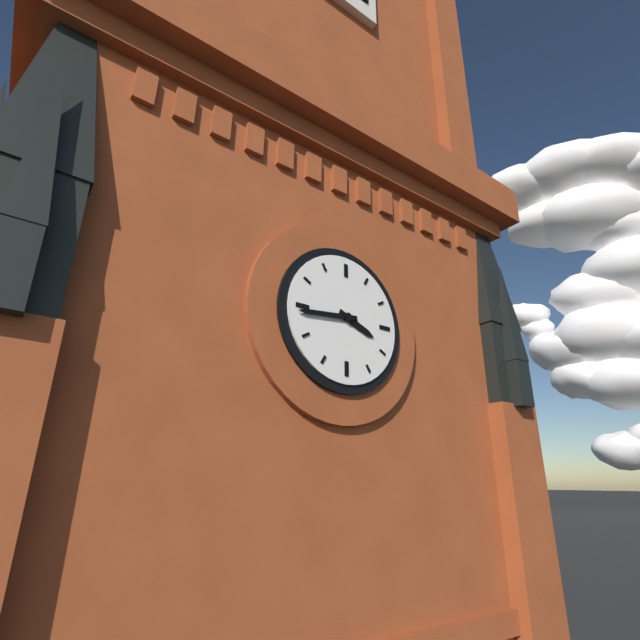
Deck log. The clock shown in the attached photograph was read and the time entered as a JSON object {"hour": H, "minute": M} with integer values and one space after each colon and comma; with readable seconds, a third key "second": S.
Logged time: {"hour": 3, "minute": 44}
